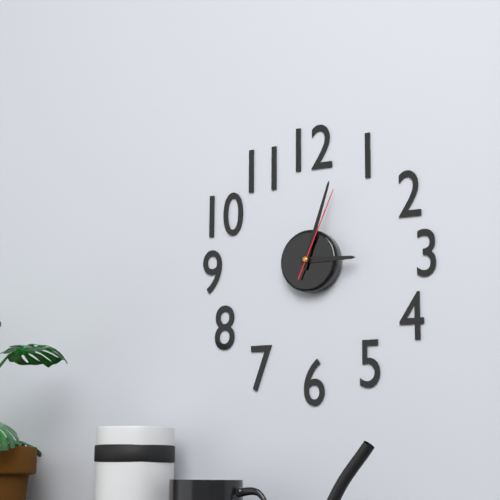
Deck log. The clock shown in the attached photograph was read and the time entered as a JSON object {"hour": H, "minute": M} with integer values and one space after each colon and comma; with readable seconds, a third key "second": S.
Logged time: {"hour": 3, "minute": 3, "second": 4}
